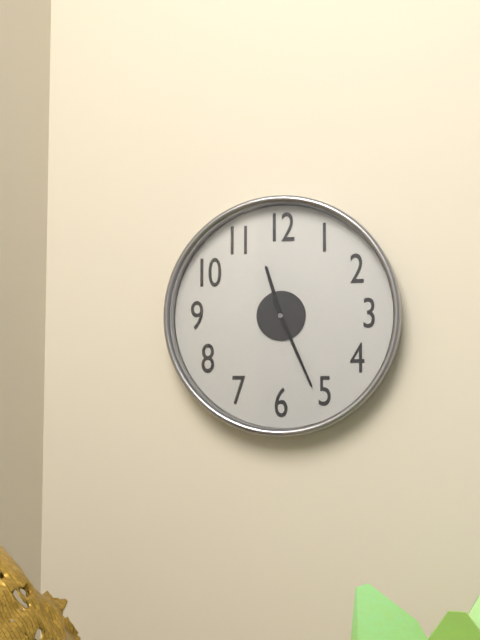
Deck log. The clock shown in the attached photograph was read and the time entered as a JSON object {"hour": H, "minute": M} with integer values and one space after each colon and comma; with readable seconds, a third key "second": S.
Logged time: {"hour": 11, "minute": 26}
